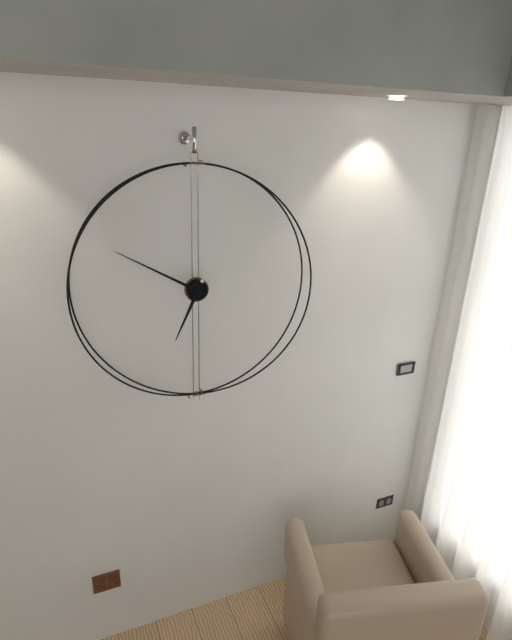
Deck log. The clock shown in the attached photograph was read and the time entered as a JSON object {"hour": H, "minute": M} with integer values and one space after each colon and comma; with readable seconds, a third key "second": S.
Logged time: {"hour": 6, "minute": 50}
